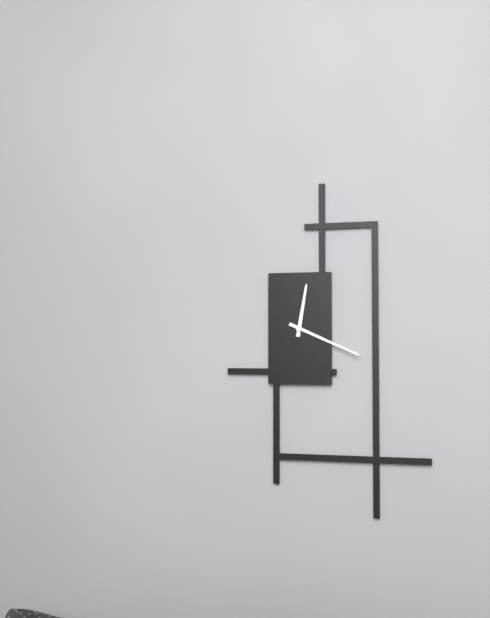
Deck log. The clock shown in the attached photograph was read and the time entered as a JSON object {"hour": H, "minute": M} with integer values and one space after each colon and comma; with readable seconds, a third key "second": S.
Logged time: {"hour": 12, "minute": 19}
